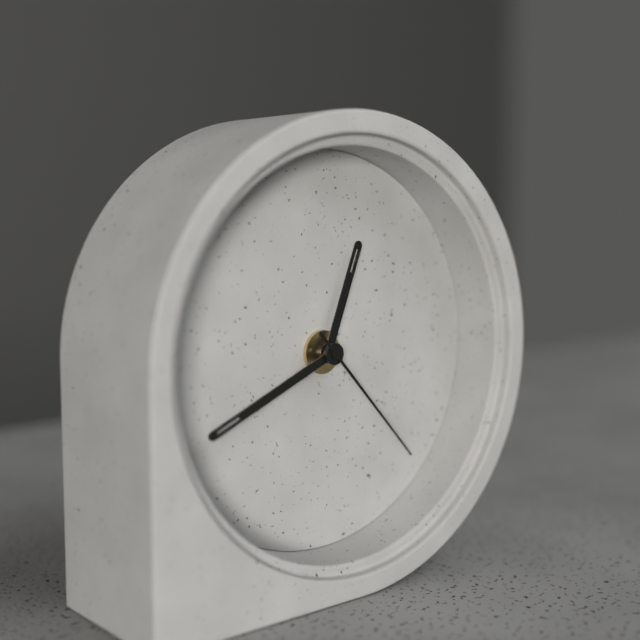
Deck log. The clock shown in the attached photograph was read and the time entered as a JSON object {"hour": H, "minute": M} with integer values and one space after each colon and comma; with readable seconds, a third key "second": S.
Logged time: {"hour": 12, "minute": 41, "second": 23}
